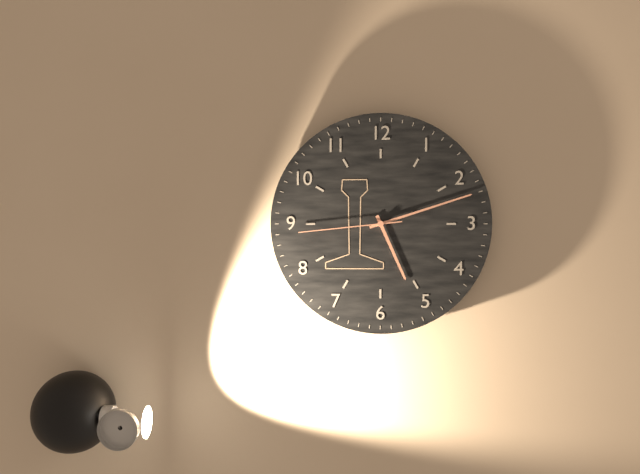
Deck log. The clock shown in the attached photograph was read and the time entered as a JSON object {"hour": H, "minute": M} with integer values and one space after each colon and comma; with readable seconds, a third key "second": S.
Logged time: {"hour": 5, "minute": 12, "second": 44}
